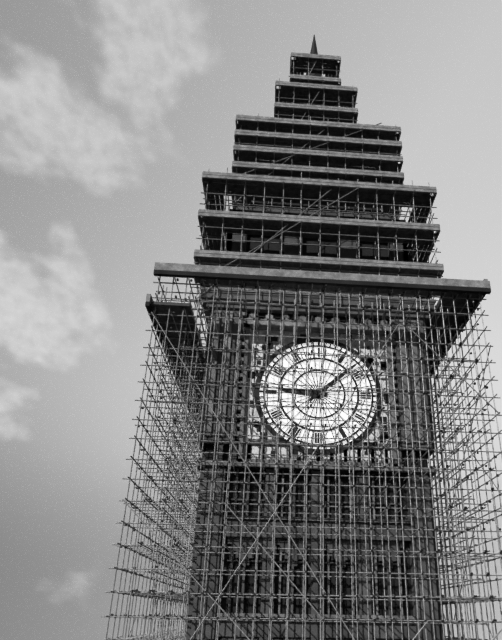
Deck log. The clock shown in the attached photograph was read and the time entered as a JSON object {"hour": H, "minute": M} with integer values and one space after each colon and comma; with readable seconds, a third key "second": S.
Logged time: {"hour": 9, "minute": 8}
